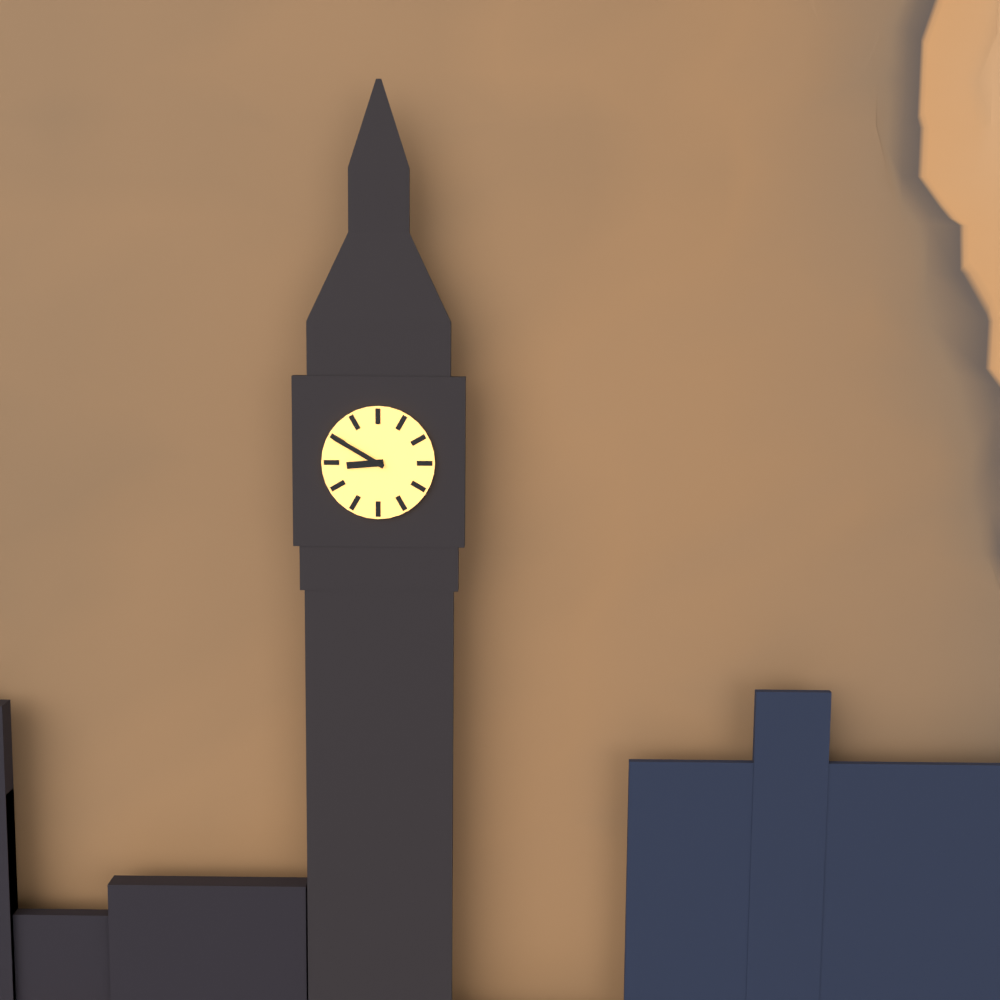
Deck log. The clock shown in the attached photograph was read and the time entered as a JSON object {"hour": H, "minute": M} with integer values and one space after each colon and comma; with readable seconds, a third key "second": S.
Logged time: {"hour": 8, "minute": 50}
